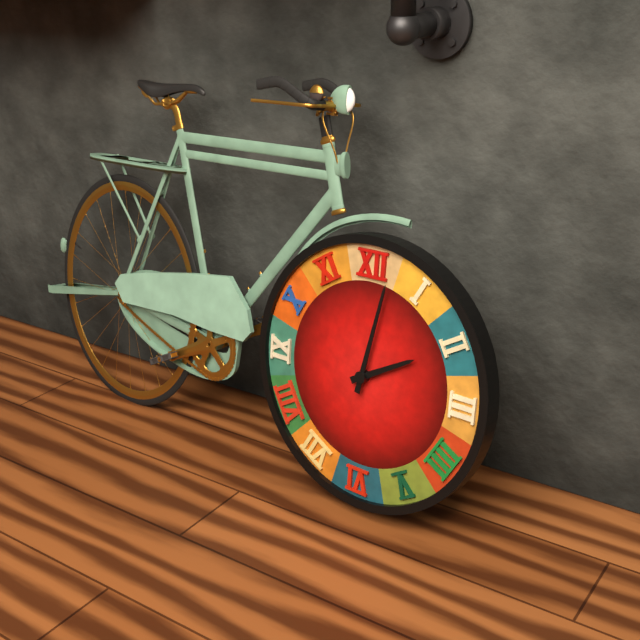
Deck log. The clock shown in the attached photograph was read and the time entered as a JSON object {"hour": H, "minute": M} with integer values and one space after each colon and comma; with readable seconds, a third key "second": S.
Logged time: {"hour": 2, "minute": 2}
